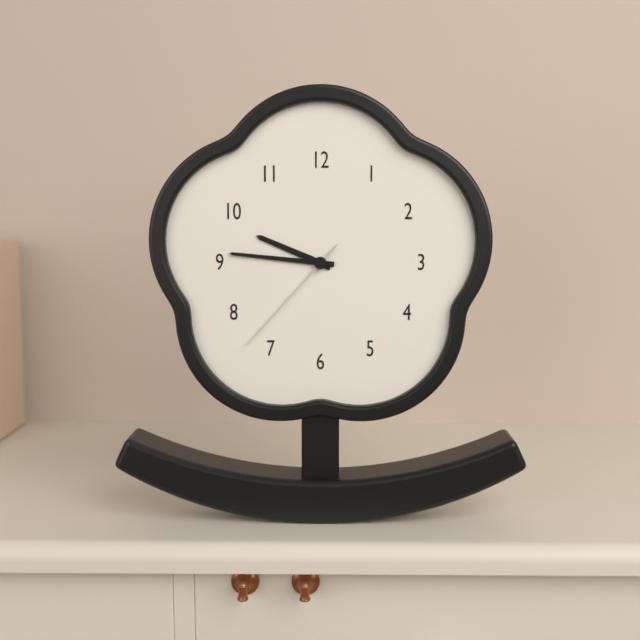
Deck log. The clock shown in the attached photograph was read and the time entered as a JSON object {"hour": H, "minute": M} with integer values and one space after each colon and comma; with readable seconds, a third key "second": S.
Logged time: {"hour": 9, "minute": 46, "second": 37}
